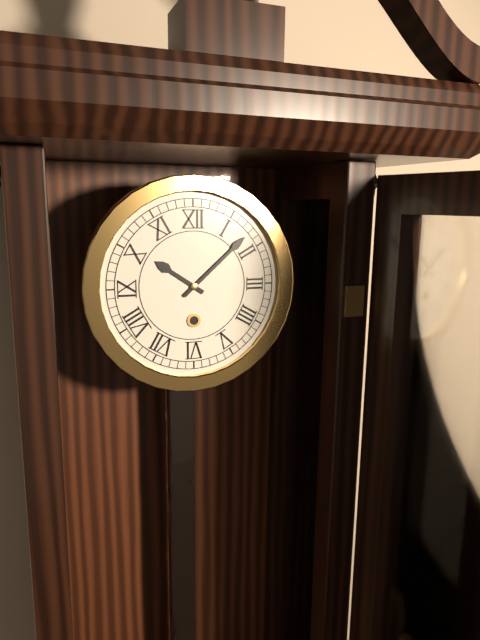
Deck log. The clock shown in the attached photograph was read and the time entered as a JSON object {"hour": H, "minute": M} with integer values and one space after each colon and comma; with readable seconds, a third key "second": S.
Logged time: {"hour": 10, "minute": 8}
